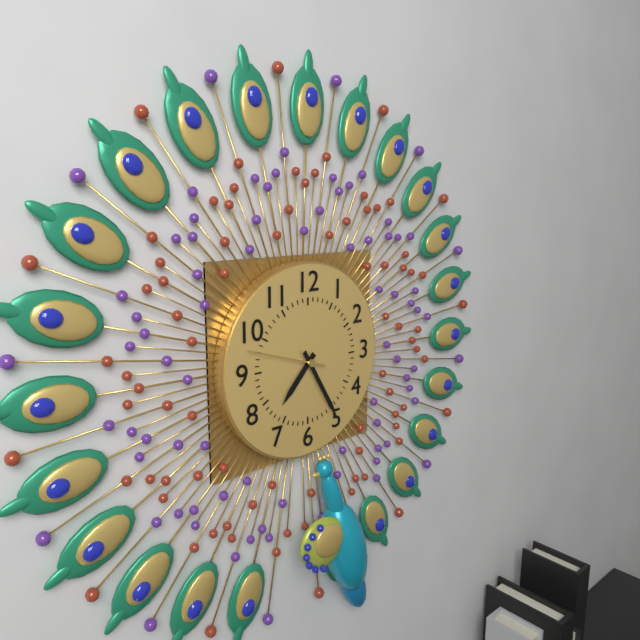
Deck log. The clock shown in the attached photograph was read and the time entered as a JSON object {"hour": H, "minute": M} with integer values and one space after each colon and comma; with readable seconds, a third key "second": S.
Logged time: {"hour": 7, "minute": 25, "second": 48}
